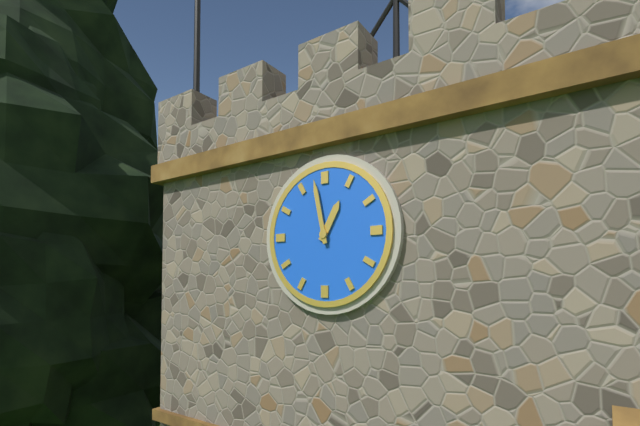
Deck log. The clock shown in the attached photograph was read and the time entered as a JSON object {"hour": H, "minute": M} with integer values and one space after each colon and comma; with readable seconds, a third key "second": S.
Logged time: {"hour": 12, "minute": 58}
